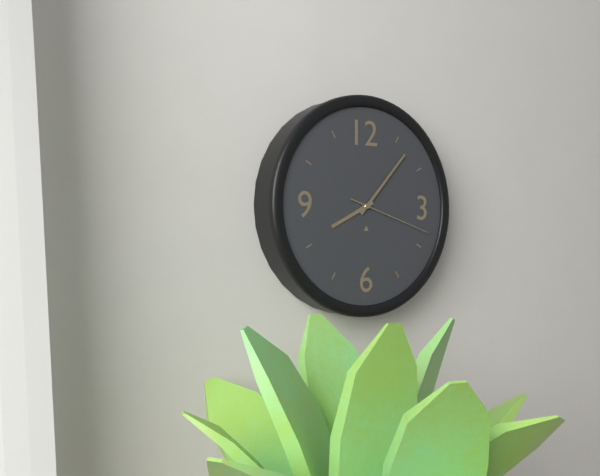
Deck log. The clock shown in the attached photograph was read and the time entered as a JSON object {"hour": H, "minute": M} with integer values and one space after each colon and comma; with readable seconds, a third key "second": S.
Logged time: {"hour": 8, "minute": 7, "second": 18}
